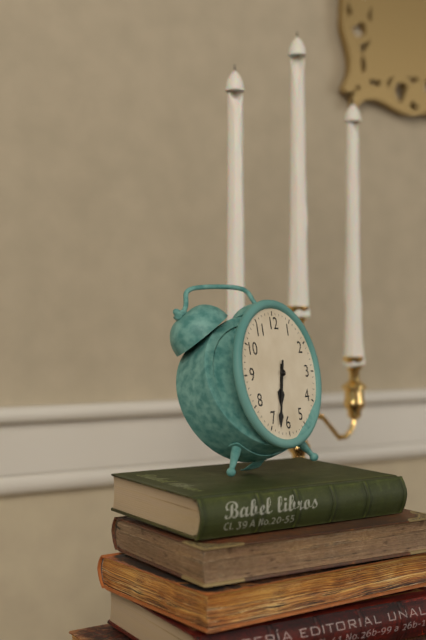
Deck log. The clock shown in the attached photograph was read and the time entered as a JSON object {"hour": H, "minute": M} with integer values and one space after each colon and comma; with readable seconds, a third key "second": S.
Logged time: {"hour": 6, "minute": 33}
